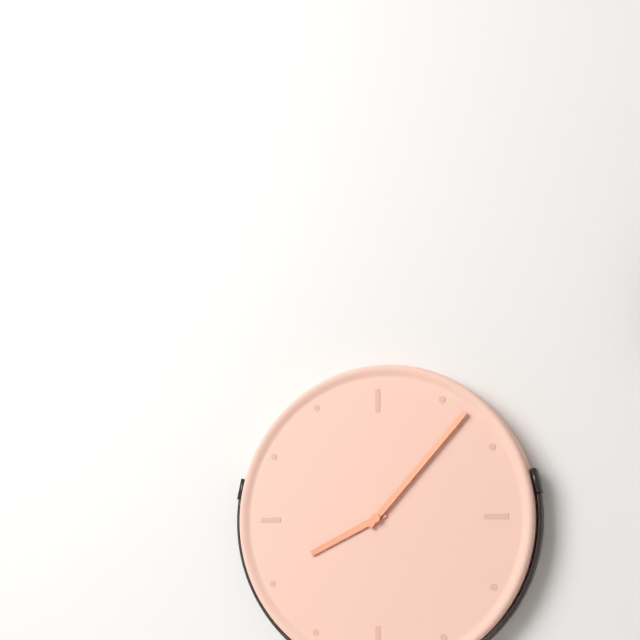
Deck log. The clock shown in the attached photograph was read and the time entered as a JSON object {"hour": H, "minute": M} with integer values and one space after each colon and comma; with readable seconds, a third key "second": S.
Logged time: {"hour": 8, "minute": 7}
